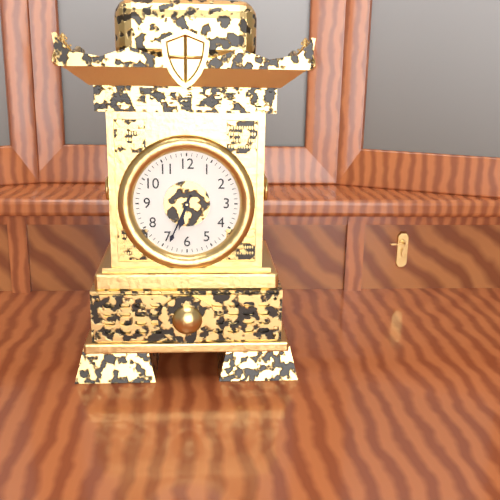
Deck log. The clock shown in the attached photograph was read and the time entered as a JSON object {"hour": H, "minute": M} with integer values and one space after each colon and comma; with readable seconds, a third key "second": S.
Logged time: {"hour": 6, "minute": 34}
